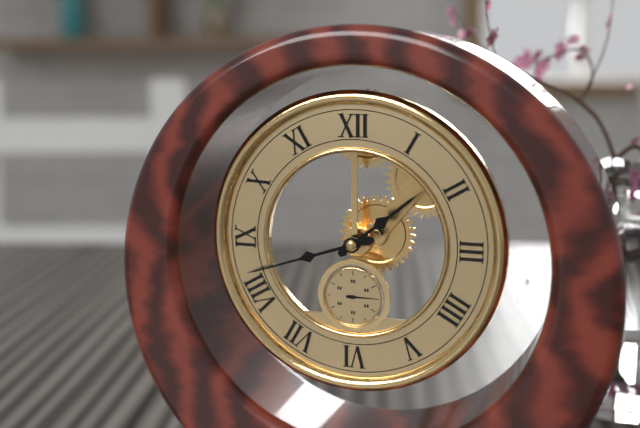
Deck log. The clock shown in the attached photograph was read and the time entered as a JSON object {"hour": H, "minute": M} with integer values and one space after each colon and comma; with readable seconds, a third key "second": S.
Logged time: {"hour": 1, "minute": 42}
